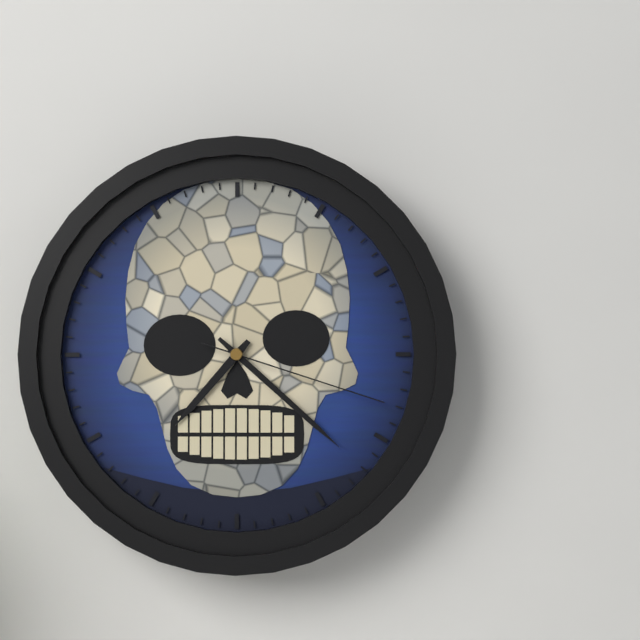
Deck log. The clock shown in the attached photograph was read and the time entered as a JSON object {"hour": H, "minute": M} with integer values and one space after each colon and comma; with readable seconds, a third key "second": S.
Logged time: {"hour": 7, "minute": 22, "second": 18}
